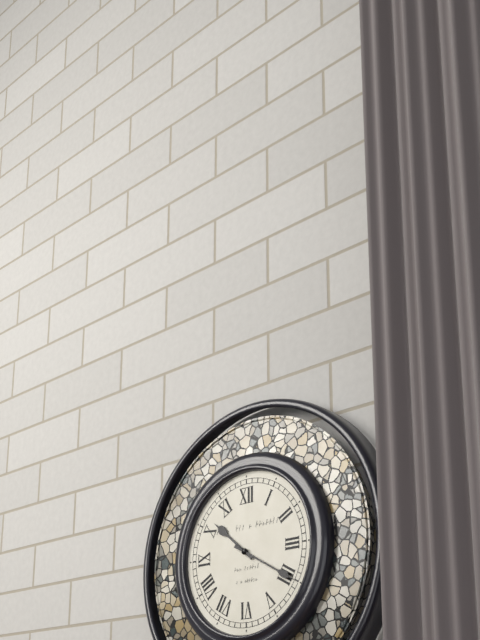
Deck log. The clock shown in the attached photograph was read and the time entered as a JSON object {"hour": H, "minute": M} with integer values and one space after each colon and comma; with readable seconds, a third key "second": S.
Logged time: {"hour": 10, "minute": 20}
